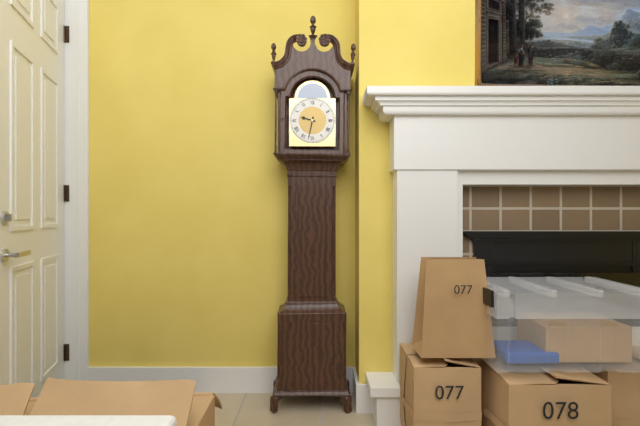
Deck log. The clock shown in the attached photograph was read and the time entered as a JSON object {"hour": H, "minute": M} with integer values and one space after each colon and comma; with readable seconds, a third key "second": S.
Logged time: {"hour": 9, "minute": 32}
